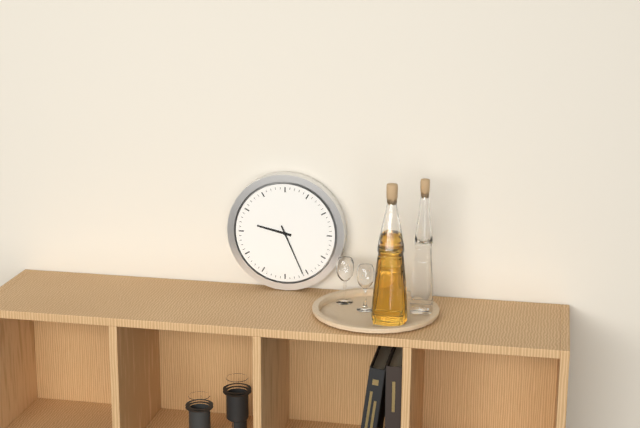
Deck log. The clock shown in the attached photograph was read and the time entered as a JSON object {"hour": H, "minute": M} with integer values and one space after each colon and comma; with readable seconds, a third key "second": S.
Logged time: {"hour": 9, "minute": 26}
